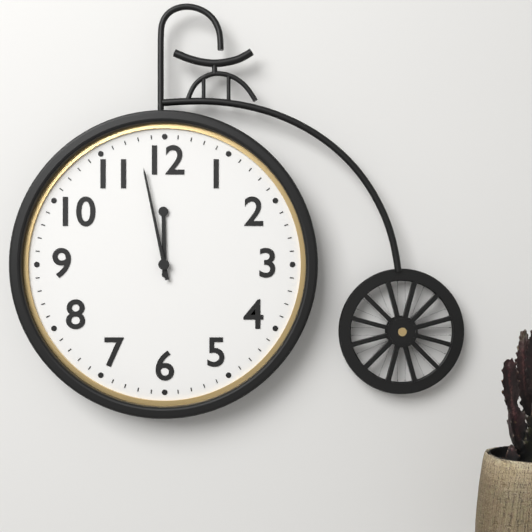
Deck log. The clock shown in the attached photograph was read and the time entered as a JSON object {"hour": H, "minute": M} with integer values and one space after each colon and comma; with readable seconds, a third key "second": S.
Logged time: {"hour": 11, "minute": 58}
